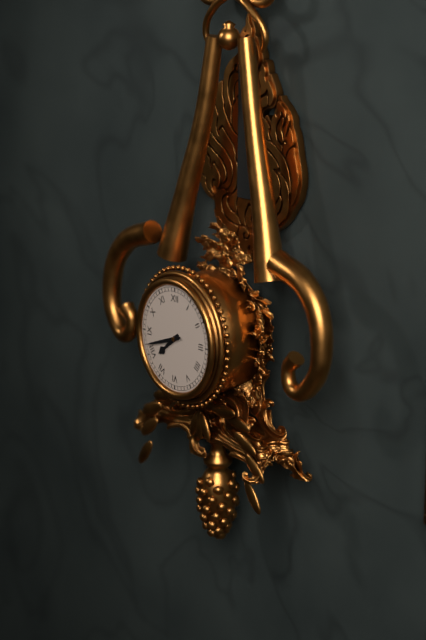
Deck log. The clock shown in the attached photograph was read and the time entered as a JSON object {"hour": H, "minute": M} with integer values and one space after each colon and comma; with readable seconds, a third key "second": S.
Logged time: {"hour": 7, "minute": 42}
